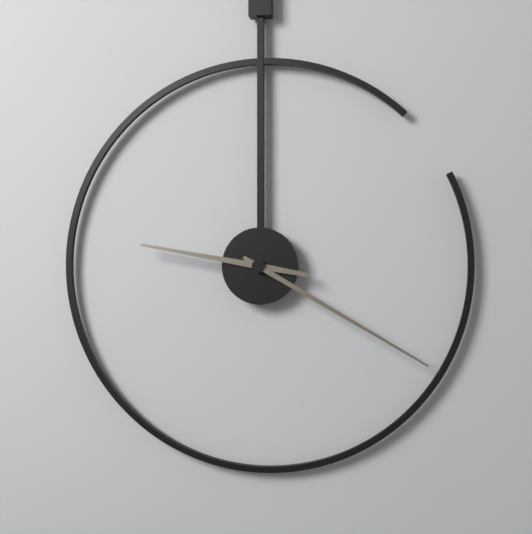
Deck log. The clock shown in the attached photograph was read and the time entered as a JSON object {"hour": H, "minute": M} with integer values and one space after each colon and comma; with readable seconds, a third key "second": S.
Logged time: {"hour": 9, "minute": 20}
